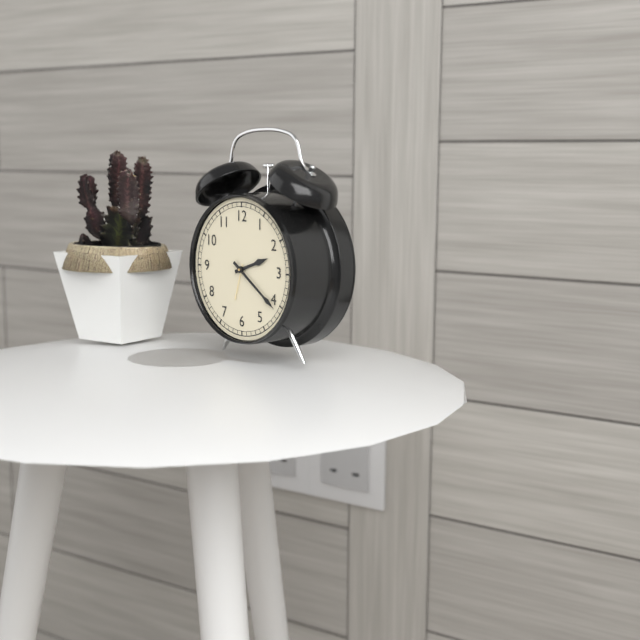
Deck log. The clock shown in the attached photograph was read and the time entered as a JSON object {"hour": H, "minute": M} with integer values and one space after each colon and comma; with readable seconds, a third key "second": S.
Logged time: {"hour": 2, "minute": 21}
